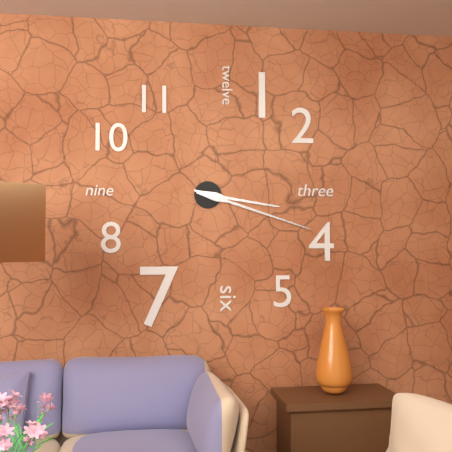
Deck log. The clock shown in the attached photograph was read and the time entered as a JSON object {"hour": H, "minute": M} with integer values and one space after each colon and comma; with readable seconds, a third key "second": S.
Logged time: {"hour": 3, "minute": 18}
